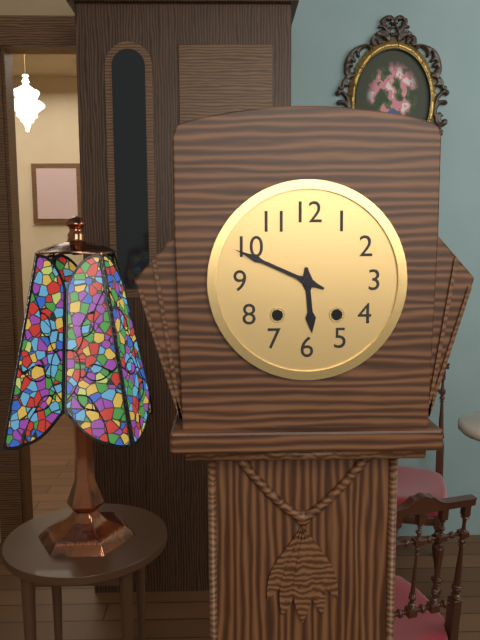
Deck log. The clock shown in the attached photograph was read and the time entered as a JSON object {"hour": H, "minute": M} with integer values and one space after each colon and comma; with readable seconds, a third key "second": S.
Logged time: {"hour": 5, "minute": 49}
